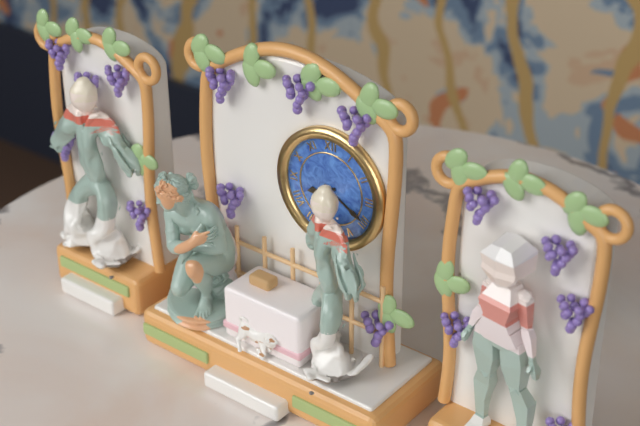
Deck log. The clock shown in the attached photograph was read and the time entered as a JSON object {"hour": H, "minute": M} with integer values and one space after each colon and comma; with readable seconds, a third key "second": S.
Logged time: {"hour": 8, "minute": 20}
